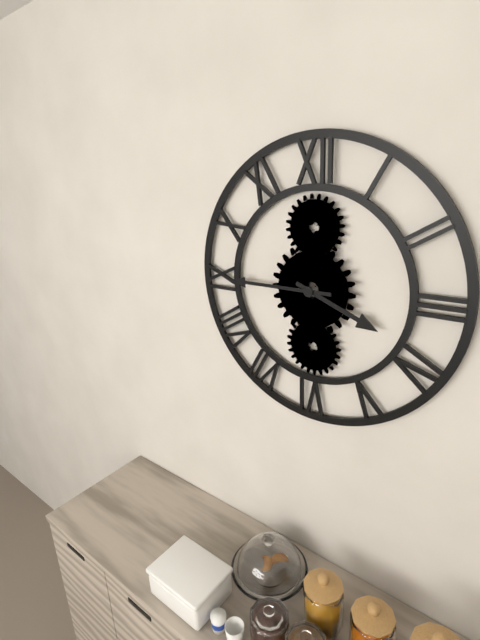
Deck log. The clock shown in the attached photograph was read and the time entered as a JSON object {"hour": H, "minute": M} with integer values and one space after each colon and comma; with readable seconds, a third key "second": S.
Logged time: {"hour": 3, "minute": 45}
